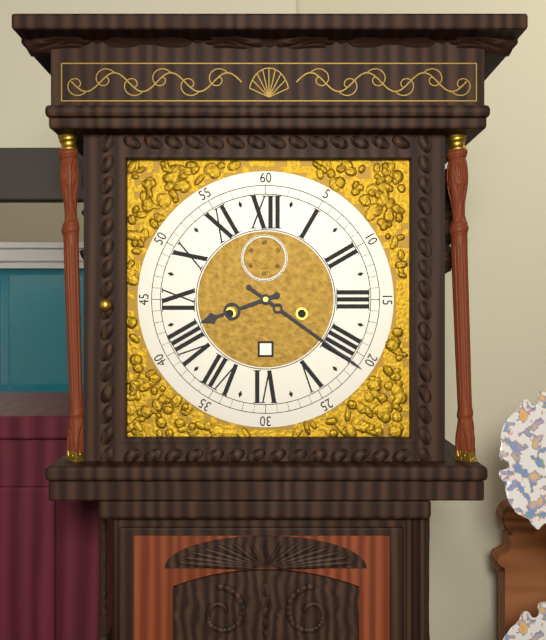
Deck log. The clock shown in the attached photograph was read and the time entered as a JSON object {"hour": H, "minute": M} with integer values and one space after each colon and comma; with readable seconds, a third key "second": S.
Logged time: {"hour": 8, "minute": 21}
